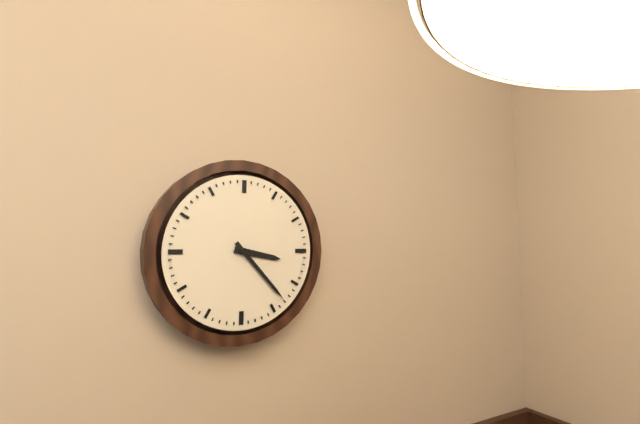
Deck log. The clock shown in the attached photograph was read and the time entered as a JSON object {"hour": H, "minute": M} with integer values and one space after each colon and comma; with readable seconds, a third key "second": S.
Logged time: {"hour": 3, "minute": 23}
